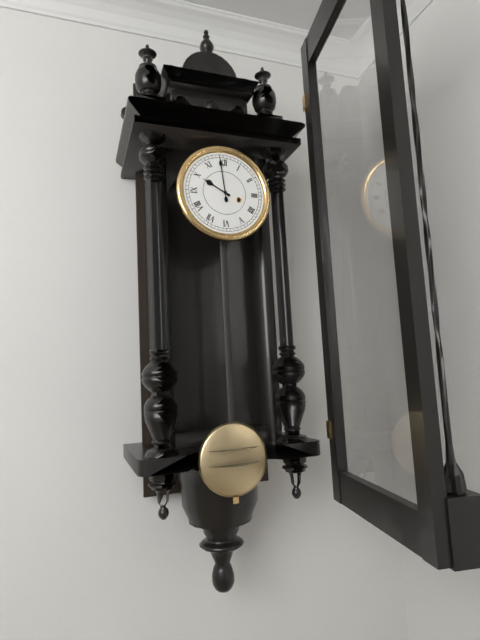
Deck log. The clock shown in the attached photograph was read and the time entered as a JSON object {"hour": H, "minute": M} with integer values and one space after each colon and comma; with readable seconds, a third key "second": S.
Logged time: {"hour": 9, "minute": 59}
